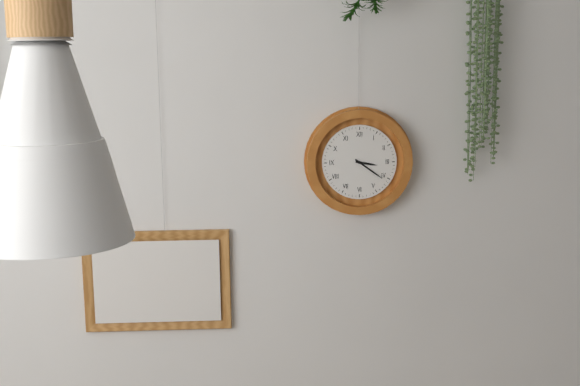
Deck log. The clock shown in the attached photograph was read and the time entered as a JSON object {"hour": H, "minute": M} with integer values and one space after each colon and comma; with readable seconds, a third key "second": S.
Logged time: {"hour": 3, "minute": 21}
